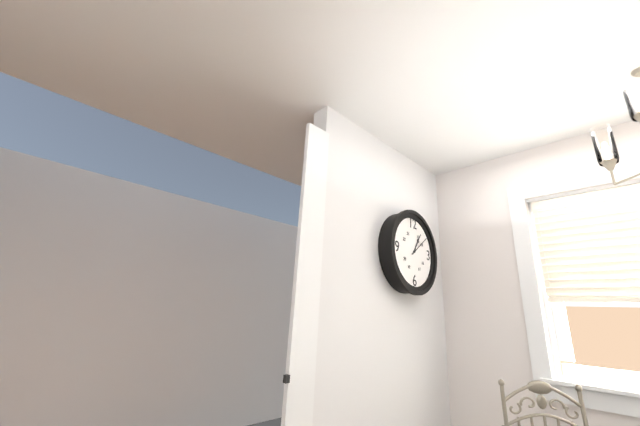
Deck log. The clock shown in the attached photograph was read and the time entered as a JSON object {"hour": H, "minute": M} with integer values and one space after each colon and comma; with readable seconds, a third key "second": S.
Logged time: {"hour": 1, "minute": 9}
